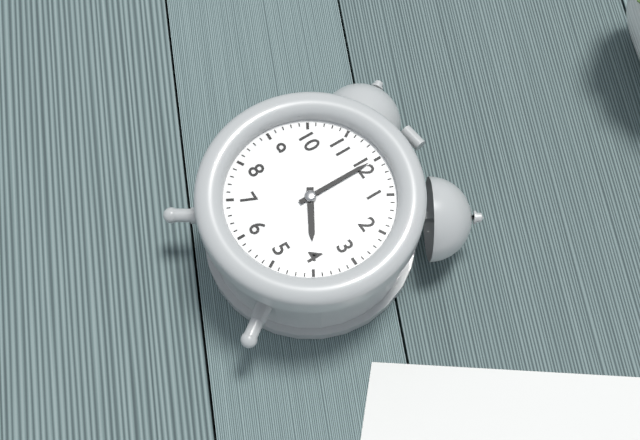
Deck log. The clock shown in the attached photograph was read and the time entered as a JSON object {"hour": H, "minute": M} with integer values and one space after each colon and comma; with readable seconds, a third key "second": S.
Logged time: {"hour": 4, "minute": 0}
